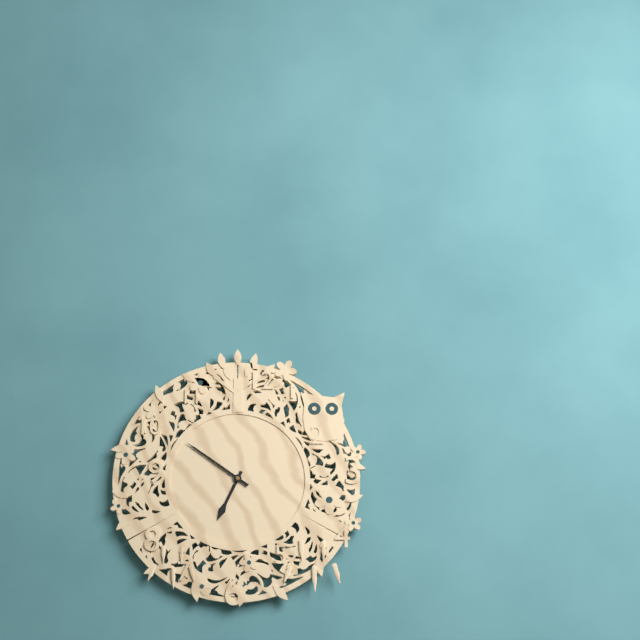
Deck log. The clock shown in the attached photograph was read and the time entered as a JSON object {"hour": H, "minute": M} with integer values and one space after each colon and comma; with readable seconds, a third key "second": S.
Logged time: {"hour": 6, "minute": 51}
